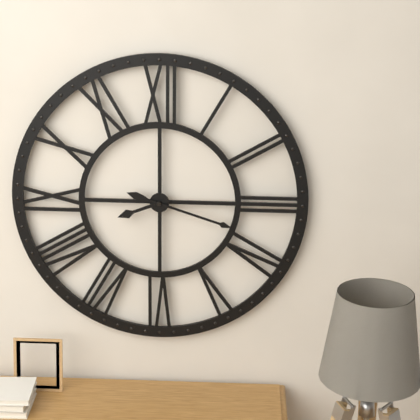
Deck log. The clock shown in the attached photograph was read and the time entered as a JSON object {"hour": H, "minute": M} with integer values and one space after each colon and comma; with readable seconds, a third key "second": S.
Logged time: {"hour": 8, "minute": 18}
